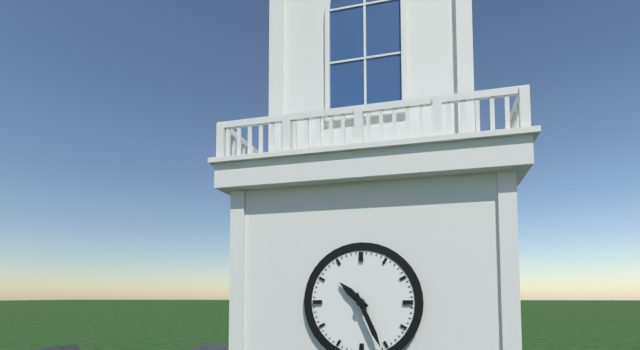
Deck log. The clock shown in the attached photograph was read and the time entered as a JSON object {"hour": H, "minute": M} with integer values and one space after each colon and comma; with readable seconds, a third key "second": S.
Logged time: {"hour": 10, "minute": 26}
